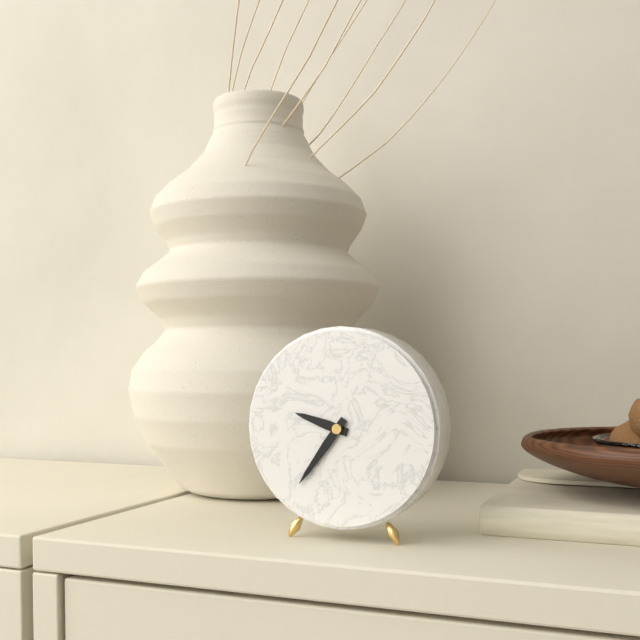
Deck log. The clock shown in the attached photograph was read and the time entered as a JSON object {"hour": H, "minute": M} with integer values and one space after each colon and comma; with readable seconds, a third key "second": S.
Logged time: {"hour": 9, "minute": 36}
